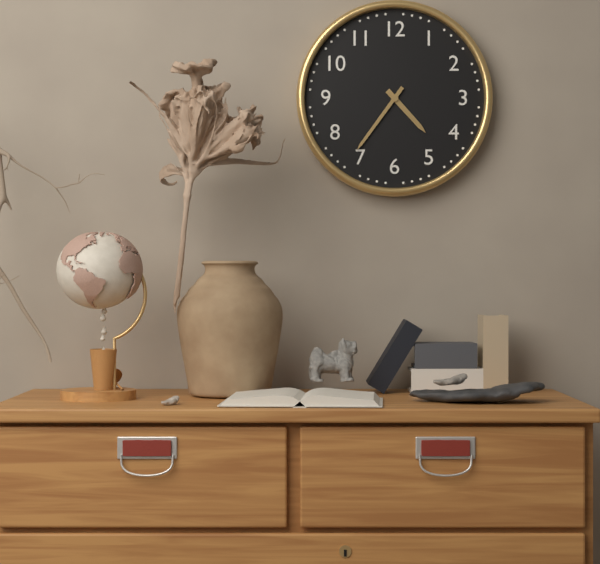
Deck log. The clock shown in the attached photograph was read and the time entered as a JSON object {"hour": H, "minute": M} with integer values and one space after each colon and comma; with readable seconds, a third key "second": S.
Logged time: {"hour": 4, "minute": 36}
